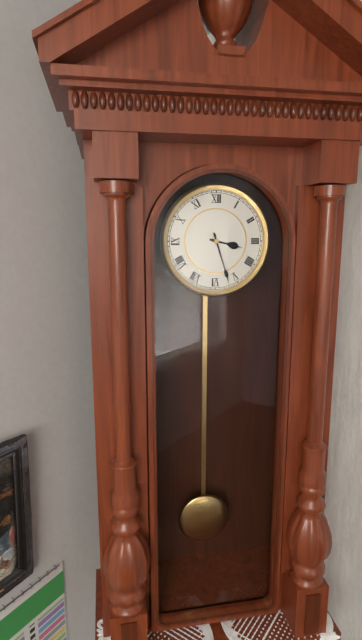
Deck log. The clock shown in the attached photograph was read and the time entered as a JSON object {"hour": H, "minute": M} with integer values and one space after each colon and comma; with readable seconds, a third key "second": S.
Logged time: {"hour": 3, "minute": 27}
